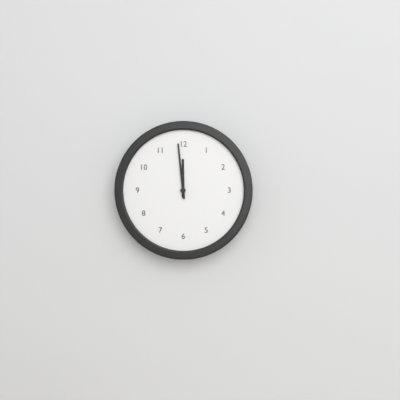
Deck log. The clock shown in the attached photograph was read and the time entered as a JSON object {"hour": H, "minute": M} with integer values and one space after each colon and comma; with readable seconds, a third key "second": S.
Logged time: {"hour": 11, "minute": 59}
